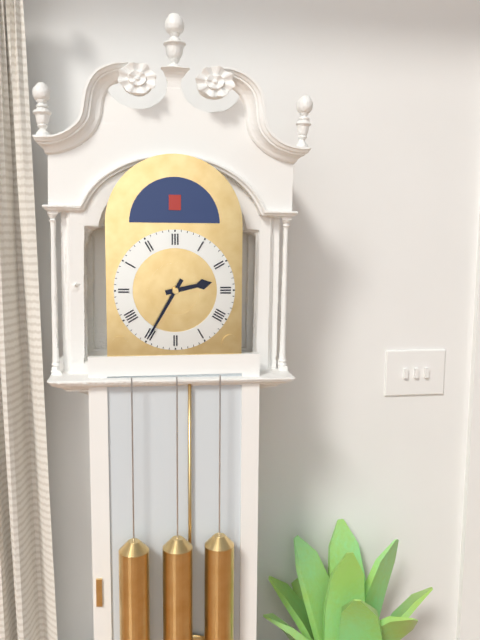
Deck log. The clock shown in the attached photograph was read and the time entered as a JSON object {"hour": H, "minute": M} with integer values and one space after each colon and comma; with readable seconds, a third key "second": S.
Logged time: {"hour": 2, "minute": 35}
